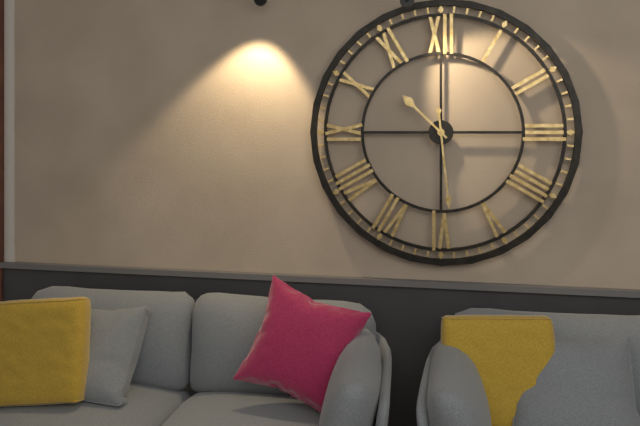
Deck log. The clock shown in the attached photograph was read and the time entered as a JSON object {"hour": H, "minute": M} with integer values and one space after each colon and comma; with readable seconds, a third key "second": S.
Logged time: {"hour": 10, "minute": 29}
